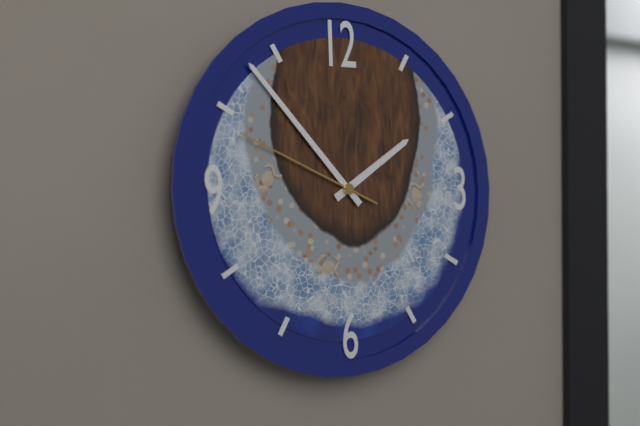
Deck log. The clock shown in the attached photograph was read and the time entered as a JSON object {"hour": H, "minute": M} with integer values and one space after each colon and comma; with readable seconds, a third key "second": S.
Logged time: {"hour": 1, "minute": 53, "second": 49}
